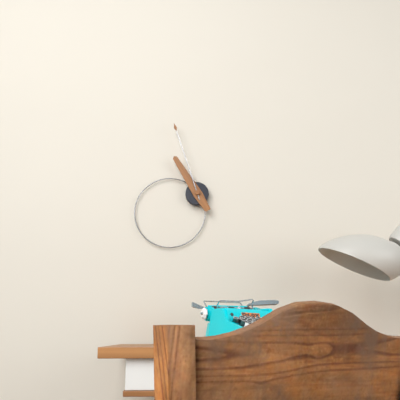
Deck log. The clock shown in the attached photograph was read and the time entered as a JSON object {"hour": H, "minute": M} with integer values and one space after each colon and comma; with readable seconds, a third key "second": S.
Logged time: {"hour": 10, "minute": 57}
